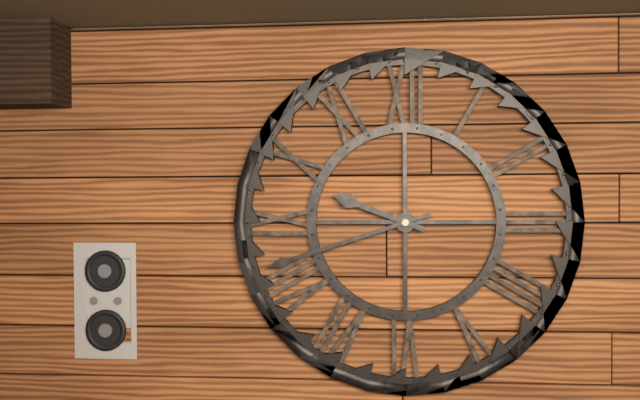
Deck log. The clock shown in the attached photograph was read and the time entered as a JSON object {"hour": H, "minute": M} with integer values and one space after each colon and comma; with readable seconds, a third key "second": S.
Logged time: {"hour": 9, "minute": 42}
